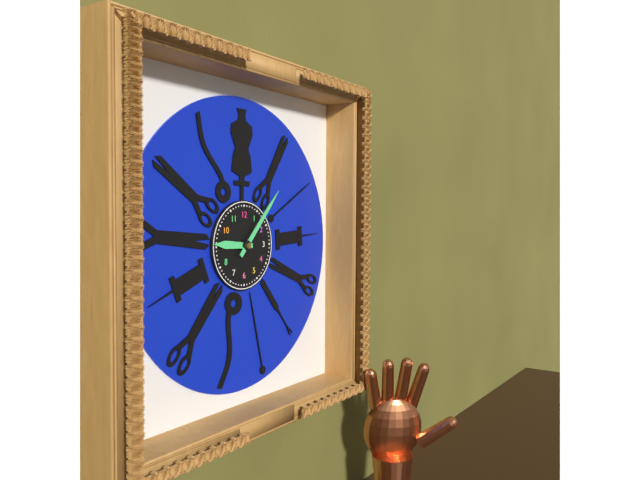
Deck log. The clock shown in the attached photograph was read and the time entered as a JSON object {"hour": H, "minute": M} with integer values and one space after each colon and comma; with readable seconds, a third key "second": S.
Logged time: {"hour": 9, "minute": 7}
